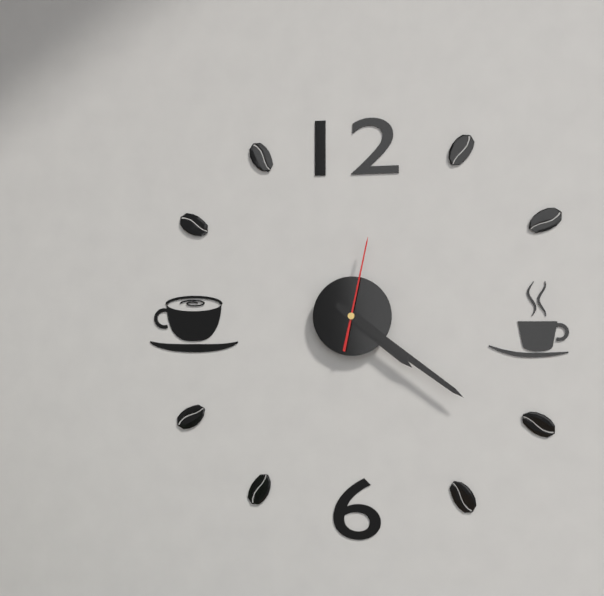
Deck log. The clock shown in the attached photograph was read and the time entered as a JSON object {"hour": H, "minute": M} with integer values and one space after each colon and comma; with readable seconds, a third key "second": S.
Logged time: {"hour": 4, "minute": 21, "second": 2}
